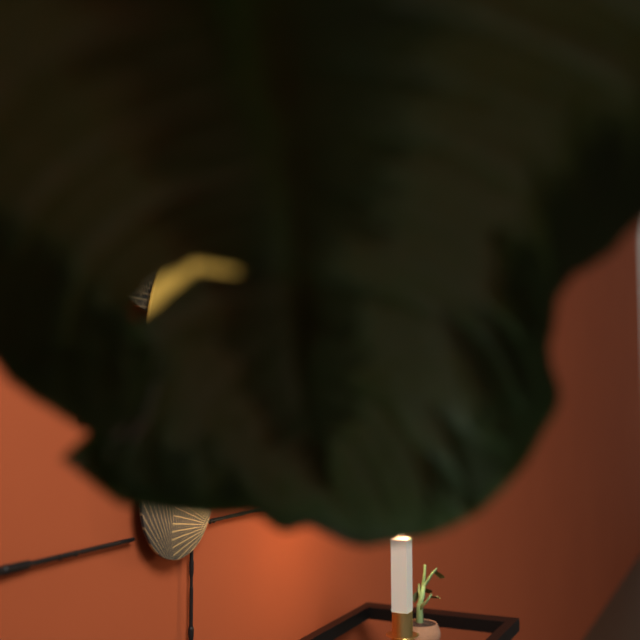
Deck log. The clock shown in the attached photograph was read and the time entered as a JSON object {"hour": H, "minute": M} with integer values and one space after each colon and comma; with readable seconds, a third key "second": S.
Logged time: {"hour": 4, "minute": 35}
